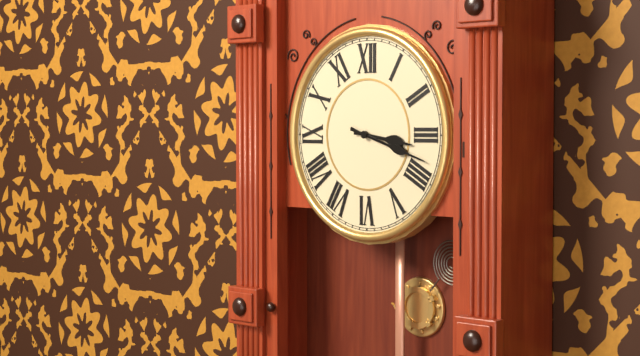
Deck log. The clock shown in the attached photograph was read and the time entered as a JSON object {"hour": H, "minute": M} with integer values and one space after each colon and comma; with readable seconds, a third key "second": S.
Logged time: {"hour": 3, "minute": 18}
